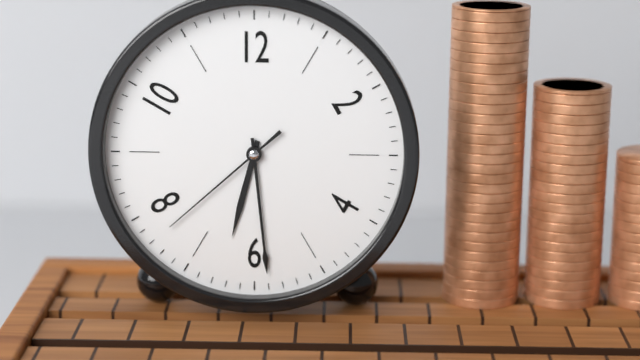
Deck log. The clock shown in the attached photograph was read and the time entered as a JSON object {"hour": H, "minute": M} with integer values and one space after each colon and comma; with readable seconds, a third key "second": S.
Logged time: {"hour": 6, "minute": 29, "second": 38}
